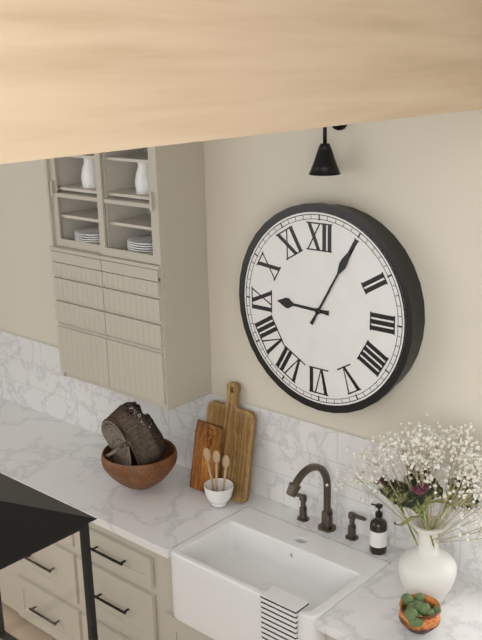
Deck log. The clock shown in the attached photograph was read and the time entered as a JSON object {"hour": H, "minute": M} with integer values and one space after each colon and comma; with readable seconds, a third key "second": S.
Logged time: {"hour": 9, "minute": 5}
